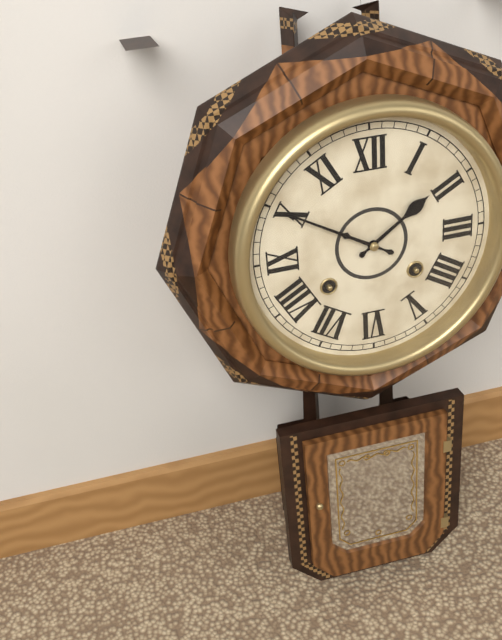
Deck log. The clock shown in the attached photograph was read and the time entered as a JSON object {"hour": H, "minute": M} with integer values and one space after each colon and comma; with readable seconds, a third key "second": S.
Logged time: {"hour": 1, "minute": 50}
